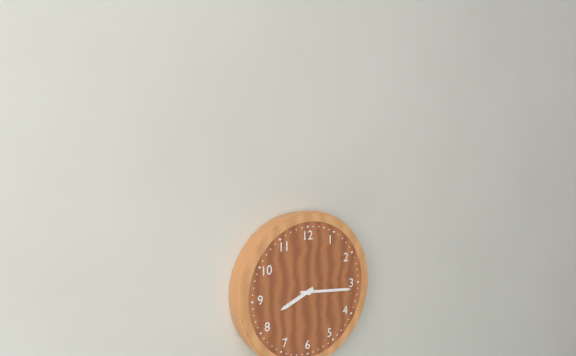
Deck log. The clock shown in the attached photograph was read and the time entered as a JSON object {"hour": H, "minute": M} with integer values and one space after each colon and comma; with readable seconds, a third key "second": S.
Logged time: {"hour": 8, "minute": 16}
